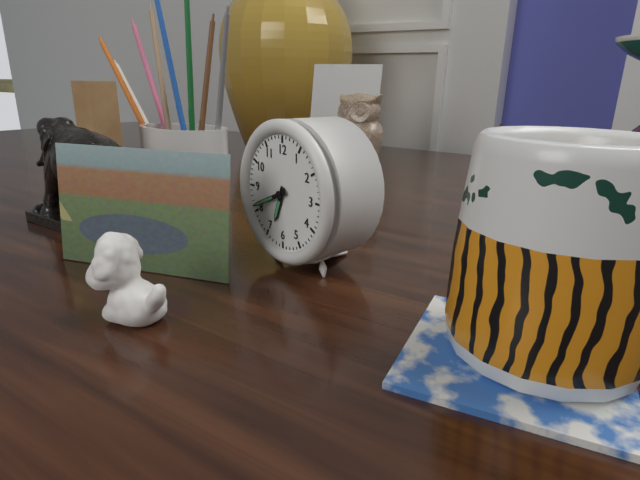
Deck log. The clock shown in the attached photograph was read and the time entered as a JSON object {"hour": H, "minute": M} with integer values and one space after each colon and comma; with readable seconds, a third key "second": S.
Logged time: {"hour": 6, "minute": 41}
